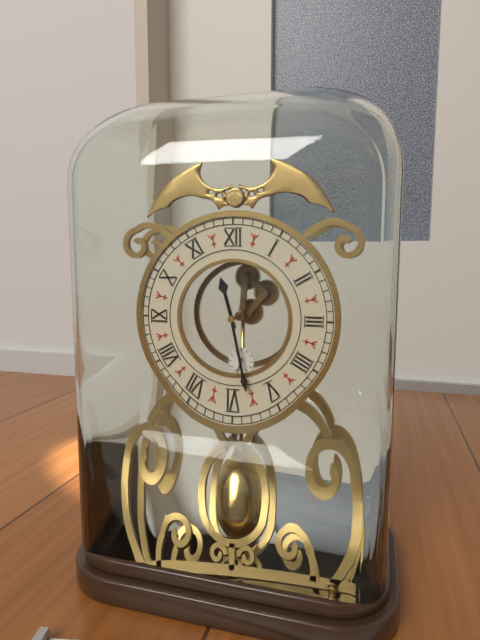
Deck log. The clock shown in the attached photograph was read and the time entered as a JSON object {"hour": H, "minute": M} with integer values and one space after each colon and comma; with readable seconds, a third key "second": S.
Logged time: {"hour": 11, "minute": 28}
